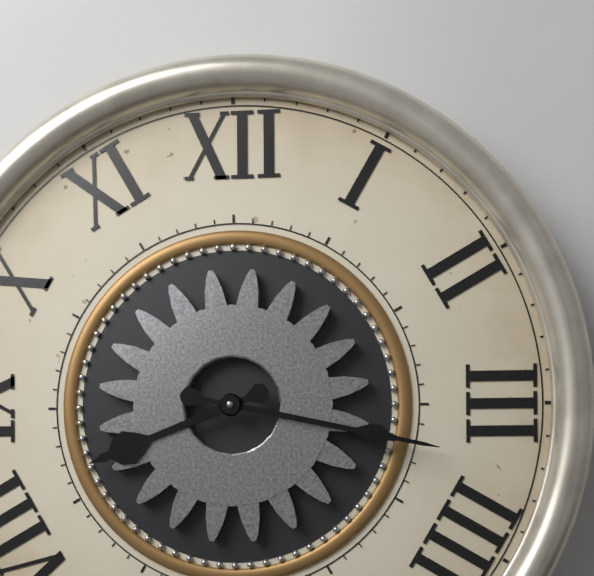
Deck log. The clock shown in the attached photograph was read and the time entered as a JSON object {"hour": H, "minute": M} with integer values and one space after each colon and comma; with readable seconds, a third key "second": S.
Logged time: {"hour": 8, "minute": 17}
